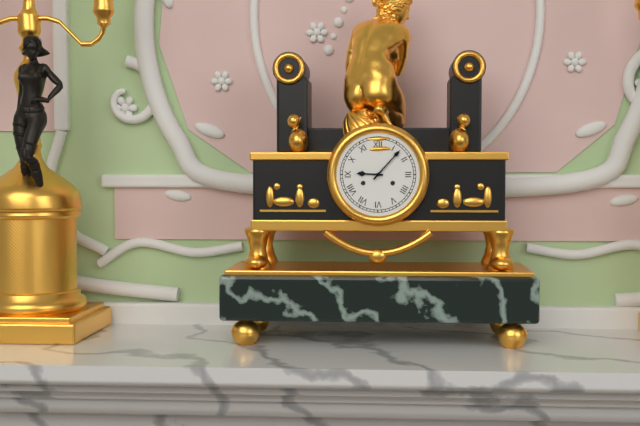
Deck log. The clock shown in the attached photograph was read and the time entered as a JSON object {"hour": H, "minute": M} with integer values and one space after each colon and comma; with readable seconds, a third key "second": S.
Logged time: {"hour": 9, "minute": 7}
